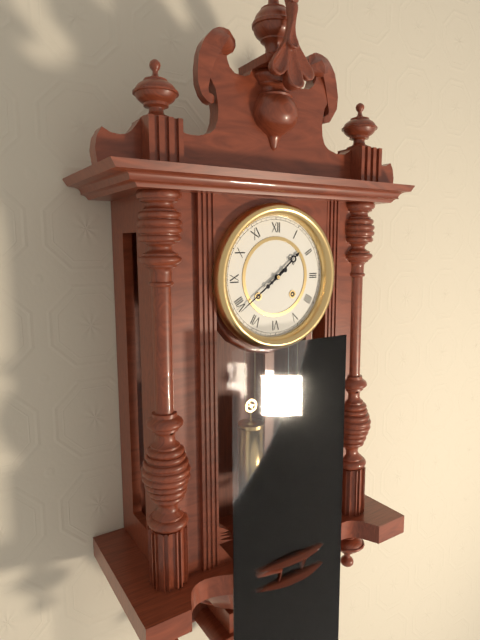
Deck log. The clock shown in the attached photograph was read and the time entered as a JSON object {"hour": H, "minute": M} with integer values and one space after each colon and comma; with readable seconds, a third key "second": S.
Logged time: {"hour": 1, "minute": 39}
